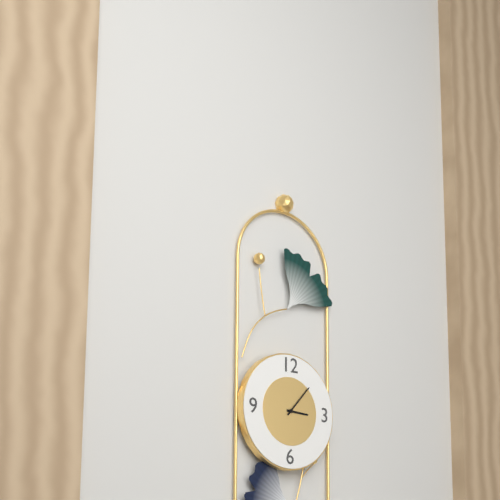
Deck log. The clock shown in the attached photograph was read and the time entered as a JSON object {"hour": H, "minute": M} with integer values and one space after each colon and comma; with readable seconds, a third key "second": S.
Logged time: {"hour": 3, "minute": 7}
